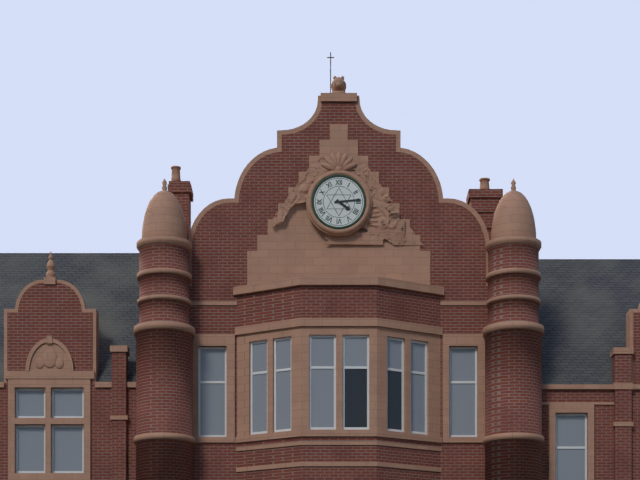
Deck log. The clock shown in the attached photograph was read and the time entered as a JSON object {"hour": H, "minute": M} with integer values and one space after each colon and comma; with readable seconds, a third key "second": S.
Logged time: {"hour": 4, "minute": 14}
